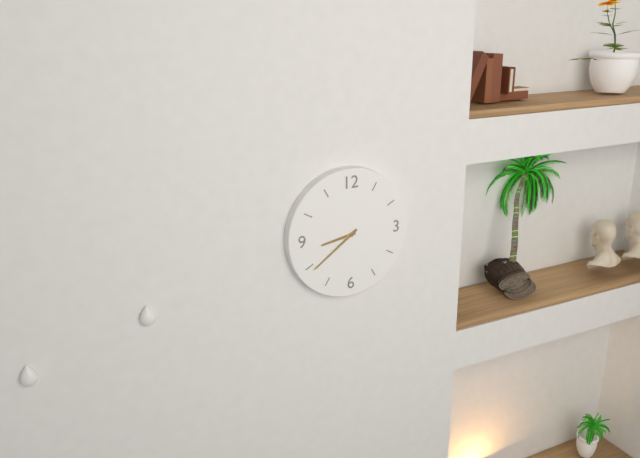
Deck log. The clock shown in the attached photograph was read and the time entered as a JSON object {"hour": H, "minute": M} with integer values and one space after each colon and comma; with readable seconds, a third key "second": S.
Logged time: {"hour": 8, "minute": 39}
